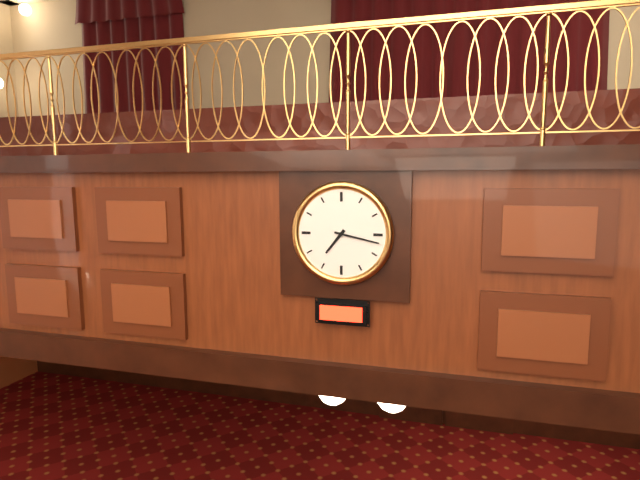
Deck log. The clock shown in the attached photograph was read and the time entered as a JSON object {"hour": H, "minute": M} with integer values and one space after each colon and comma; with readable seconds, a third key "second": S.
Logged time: {"hour": 7, "minute": 17}
